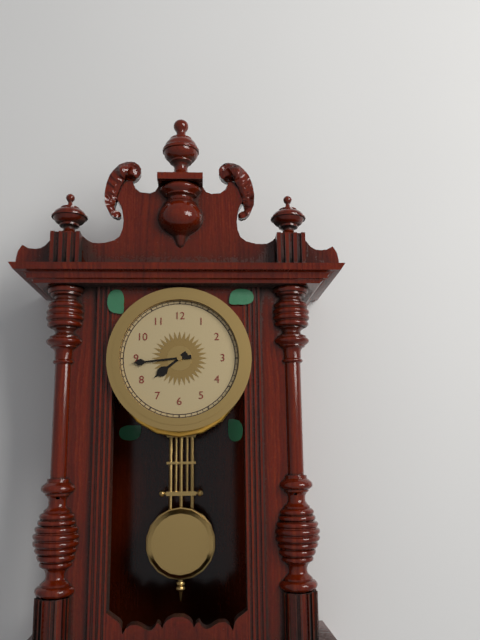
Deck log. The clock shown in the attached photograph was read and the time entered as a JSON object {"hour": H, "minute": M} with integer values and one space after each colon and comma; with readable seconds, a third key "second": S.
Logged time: {"hour": 7, "minute": 44}
